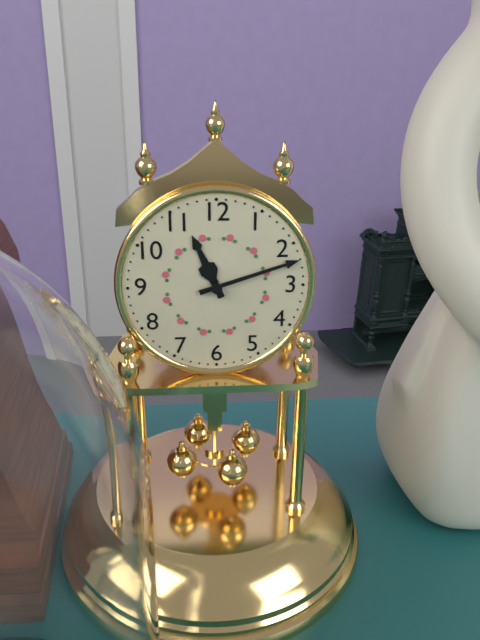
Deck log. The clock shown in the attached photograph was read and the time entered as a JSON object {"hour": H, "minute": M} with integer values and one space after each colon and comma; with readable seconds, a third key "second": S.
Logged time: {"hour": 11, "minute": 12}
